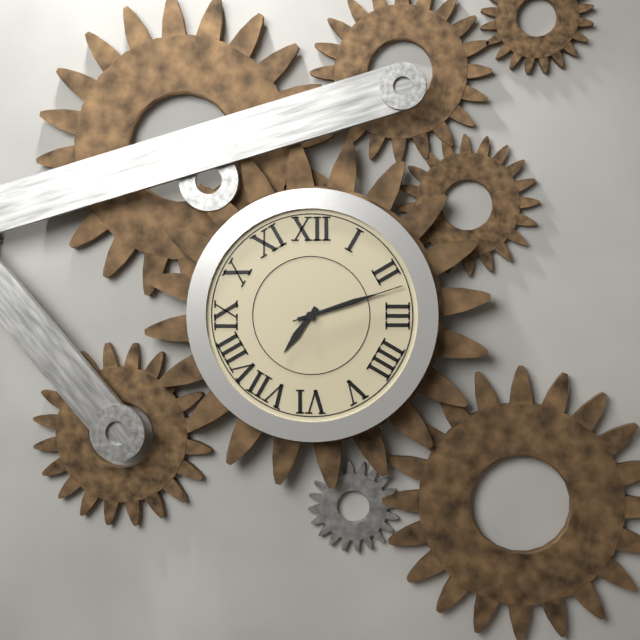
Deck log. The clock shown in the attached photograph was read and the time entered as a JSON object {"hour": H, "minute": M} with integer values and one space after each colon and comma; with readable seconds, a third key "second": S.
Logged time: {"hour": 7, "minute": 12, "second": 12}
